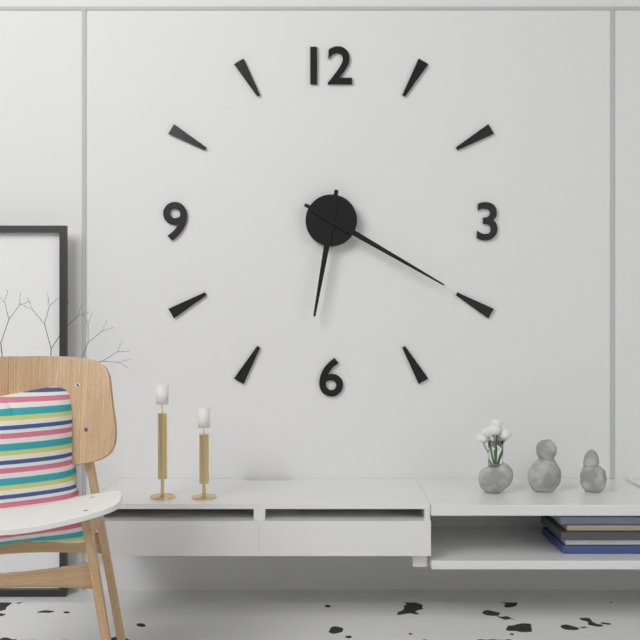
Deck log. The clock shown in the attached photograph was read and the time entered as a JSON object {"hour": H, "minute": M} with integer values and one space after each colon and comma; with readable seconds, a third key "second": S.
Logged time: {"hour": 6, "minute": 20}
